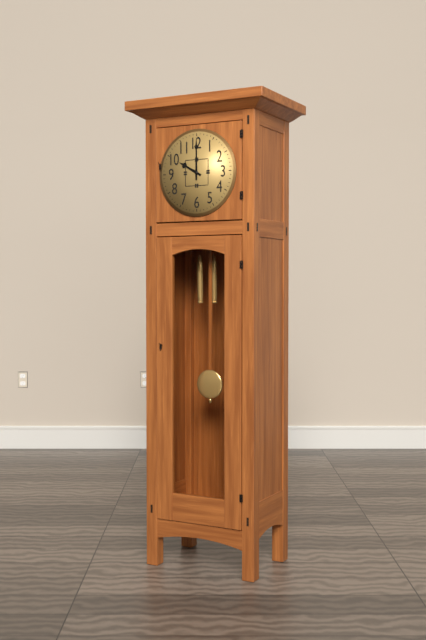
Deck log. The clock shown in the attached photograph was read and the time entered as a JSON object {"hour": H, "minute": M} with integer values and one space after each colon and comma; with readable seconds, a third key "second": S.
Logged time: {"hour": 10, "minute": 0}
